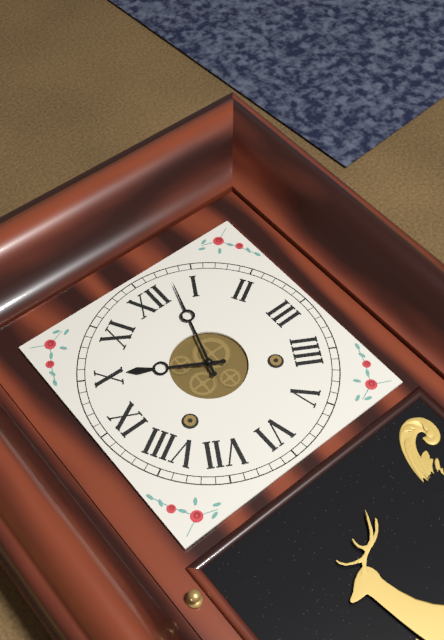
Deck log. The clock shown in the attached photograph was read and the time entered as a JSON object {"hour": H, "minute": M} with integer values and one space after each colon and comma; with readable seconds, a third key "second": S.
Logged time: {"hour": 10, "minute": 3}
